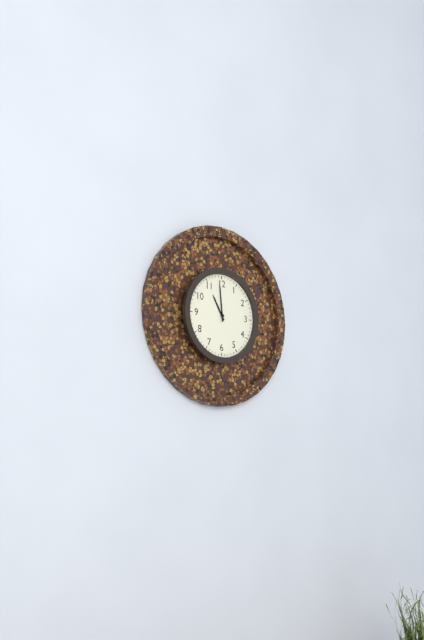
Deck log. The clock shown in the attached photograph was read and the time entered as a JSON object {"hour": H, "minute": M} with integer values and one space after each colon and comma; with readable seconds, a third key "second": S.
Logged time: {"hour": 10, "minute": 59}
